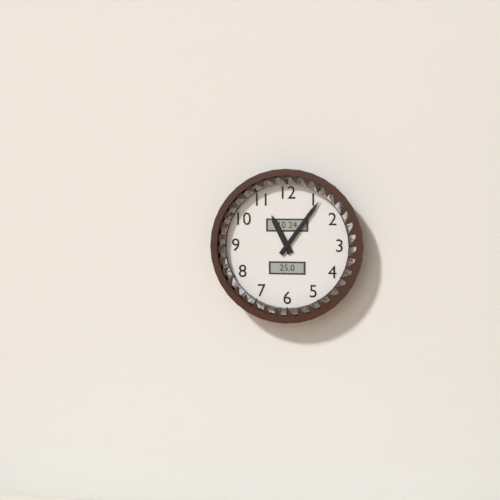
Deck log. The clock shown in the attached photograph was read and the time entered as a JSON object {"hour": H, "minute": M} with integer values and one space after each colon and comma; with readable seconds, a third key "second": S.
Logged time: {"hour": 11, "minute": 6}
